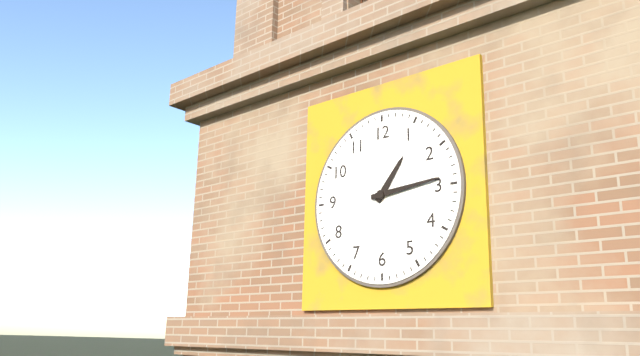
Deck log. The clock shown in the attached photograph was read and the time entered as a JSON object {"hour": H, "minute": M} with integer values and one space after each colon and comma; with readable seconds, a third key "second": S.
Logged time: {"hour": 1, "minute": 14}
